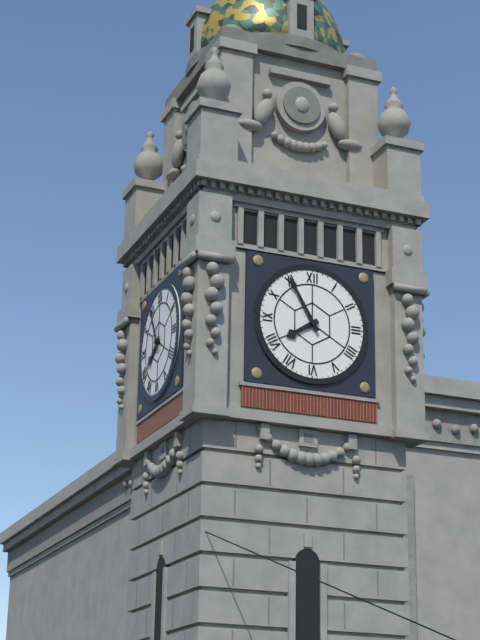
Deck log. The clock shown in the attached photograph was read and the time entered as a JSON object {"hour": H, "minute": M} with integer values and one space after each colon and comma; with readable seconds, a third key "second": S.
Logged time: {"hour": 7, "minute": 55}
